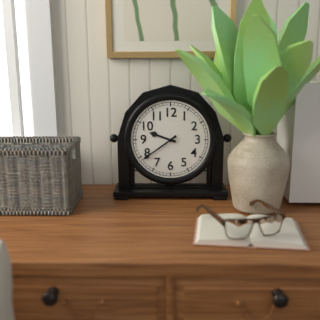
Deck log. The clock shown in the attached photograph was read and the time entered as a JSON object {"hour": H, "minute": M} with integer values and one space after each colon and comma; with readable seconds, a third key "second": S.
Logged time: {"hour": 9, "minute": 39}
